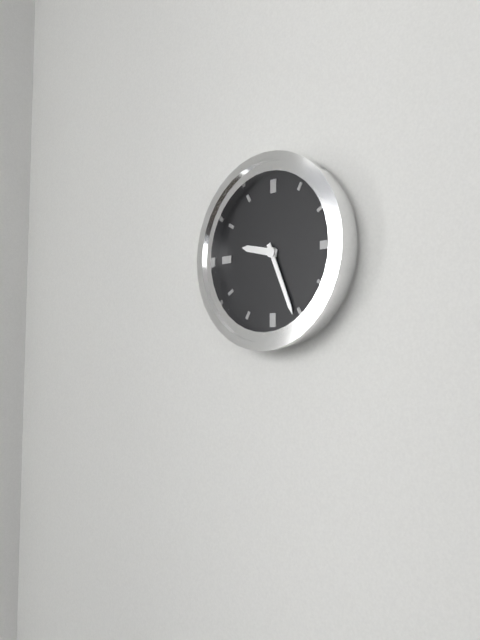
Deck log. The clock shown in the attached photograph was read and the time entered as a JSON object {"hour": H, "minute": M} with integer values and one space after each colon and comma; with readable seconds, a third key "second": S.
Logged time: {"hour": 9, "minute": 26}
